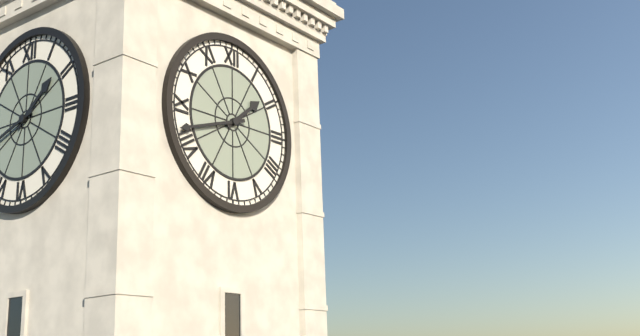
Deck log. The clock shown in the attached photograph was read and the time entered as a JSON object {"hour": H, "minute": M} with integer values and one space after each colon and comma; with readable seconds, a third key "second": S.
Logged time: {"hour": 1, "minute": 42}
